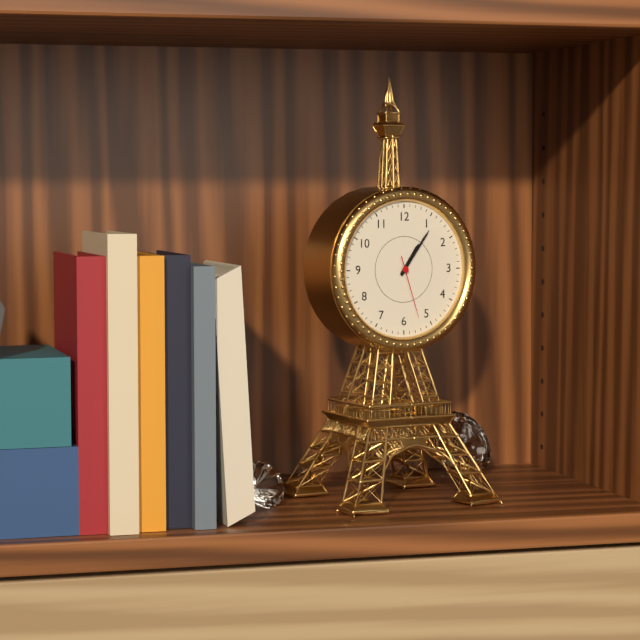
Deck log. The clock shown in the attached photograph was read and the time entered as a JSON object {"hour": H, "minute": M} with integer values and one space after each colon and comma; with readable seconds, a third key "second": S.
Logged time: {"hour": 1, "minute": 6, "second": 27}
